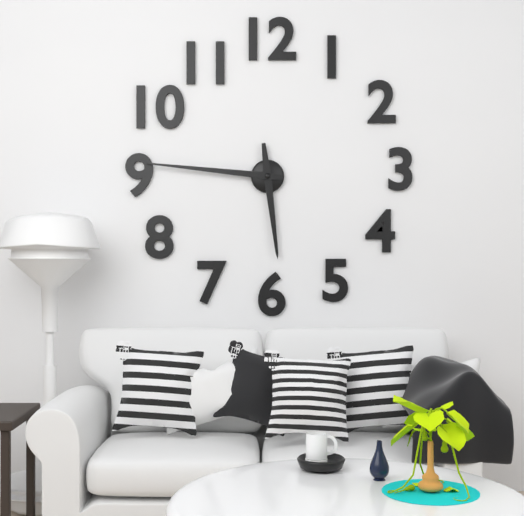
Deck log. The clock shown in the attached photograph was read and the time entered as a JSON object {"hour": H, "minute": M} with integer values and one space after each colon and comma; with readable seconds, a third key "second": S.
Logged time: {"hour": 5, "minute": 46}
